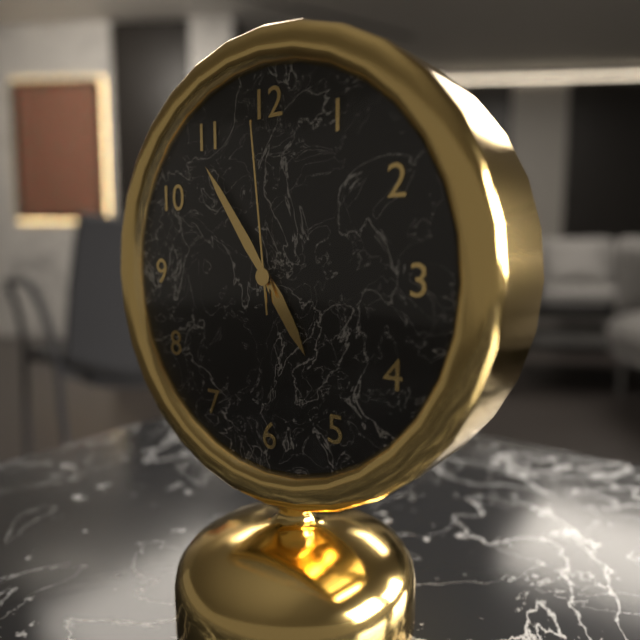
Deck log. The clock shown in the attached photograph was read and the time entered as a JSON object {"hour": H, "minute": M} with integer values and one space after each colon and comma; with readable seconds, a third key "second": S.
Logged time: {"hour": 4, "minute": 54, "second": 59}
